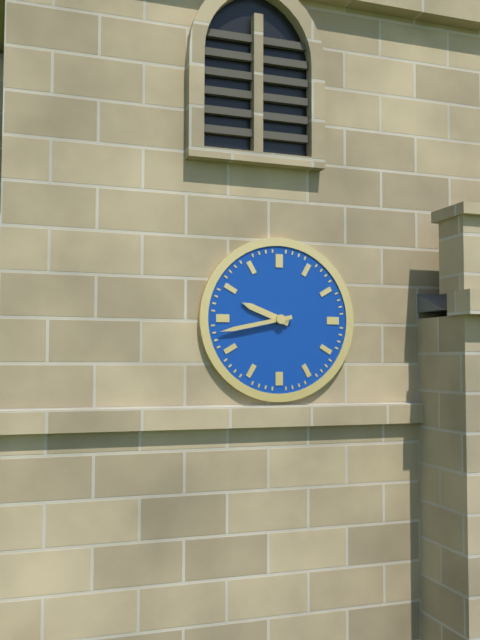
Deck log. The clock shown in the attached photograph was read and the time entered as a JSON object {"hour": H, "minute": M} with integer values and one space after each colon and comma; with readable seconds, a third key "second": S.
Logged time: {"hour": 9, "minute": 43}
